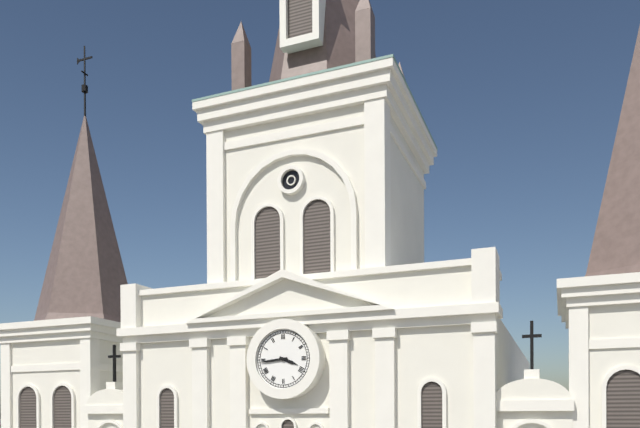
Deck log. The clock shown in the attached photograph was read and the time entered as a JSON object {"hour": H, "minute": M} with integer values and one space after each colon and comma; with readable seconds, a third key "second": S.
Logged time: {"hour": 3, "minute": 44}
